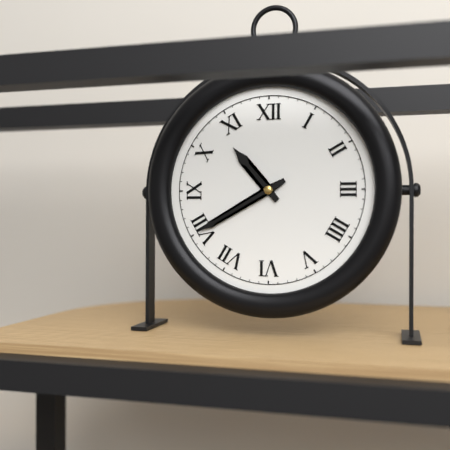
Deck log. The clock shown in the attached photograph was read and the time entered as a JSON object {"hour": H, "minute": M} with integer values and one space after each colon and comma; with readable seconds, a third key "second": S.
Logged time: {"hour": 10, "minute": 40}
